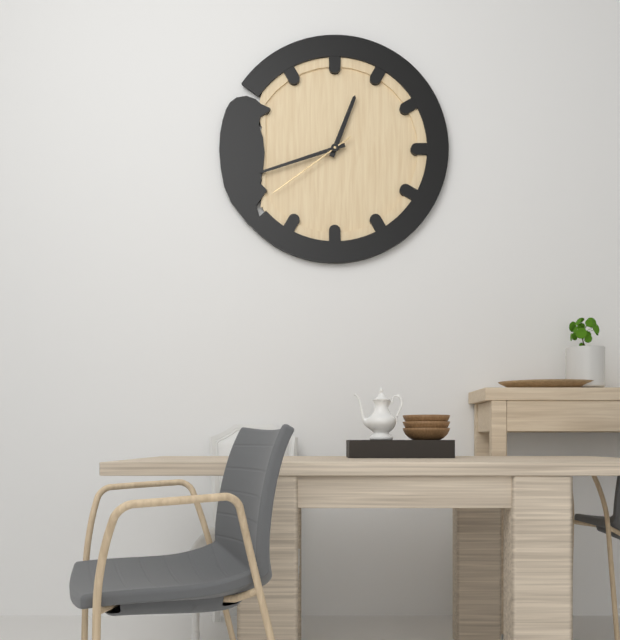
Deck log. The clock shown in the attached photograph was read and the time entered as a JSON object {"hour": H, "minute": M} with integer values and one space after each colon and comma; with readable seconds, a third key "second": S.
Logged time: {"hour": 12, "minute": 42, "second": 39}
